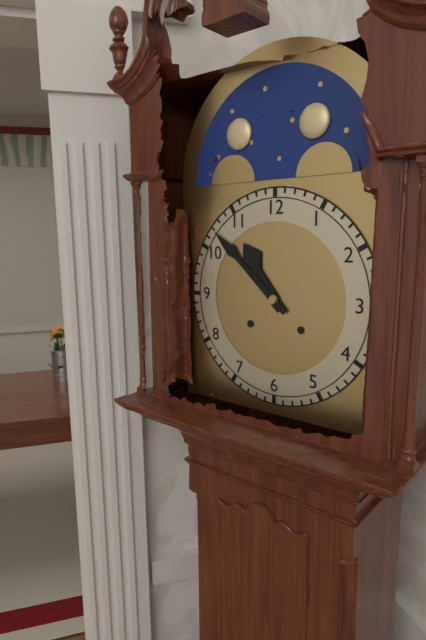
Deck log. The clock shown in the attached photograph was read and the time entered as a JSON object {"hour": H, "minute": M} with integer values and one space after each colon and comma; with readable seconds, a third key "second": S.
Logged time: {"hour": 10, "minute": 52}
